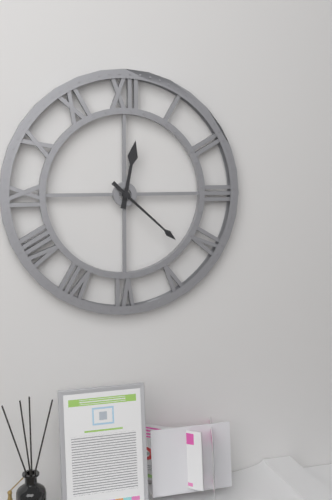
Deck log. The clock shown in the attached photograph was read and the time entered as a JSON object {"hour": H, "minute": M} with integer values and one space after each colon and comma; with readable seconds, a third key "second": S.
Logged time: {"hour": 12, "minute": 22}
